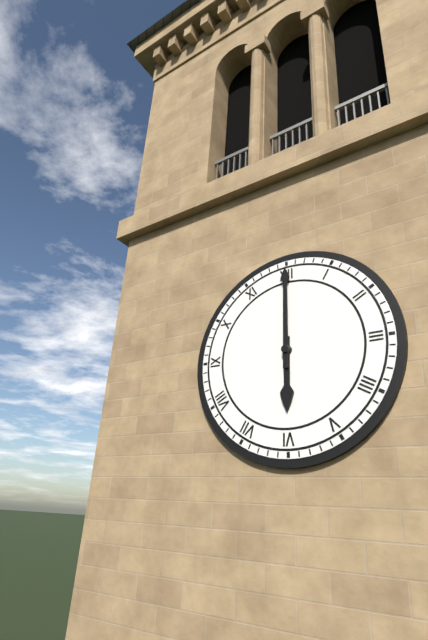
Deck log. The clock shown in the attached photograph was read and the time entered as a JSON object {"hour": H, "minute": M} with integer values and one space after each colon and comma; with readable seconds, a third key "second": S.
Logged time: {"hour": 6, "minute": 0}
